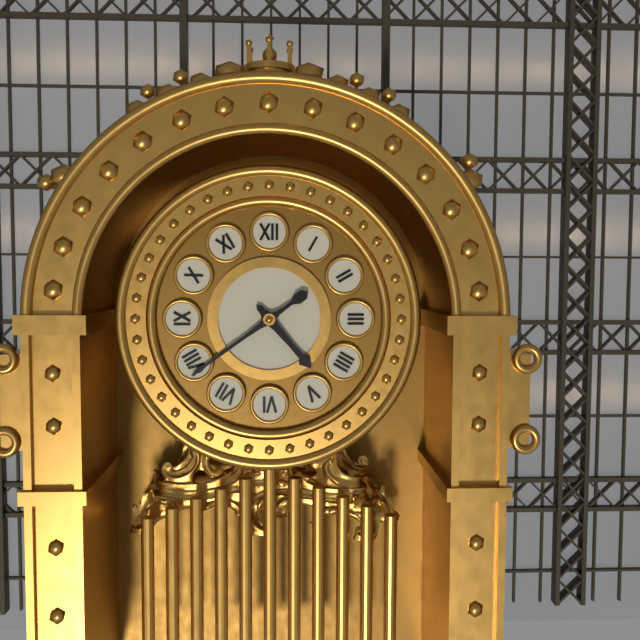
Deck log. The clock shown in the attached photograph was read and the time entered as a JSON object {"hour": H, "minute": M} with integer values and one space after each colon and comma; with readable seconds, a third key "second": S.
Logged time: {"hour": 4, "minute": 39}
